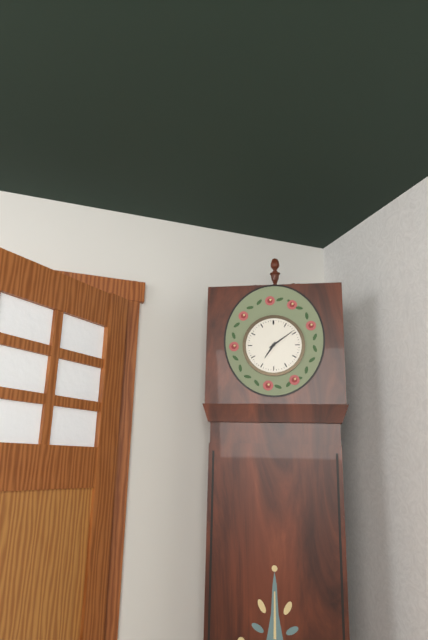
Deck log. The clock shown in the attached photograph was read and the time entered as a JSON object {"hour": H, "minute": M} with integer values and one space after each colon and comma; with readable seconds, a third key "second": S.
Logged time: {"hour": 7, "minute": 9}
